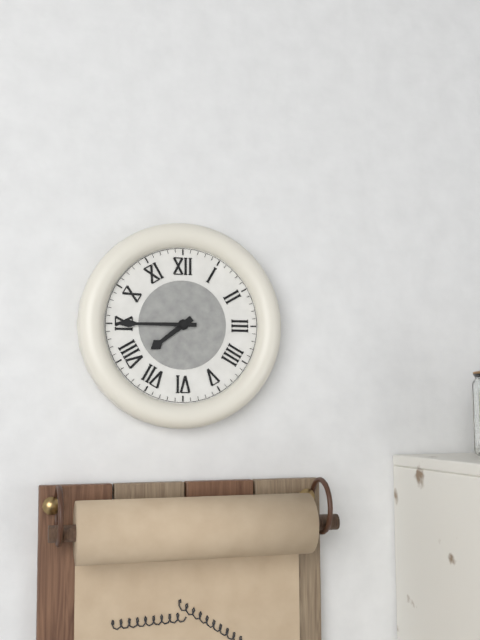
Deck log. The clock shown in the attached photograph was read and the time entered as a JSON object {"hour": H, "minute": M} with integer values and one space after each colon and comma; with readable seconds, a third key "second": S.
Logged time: {"hour": 7, "minute": 45}
